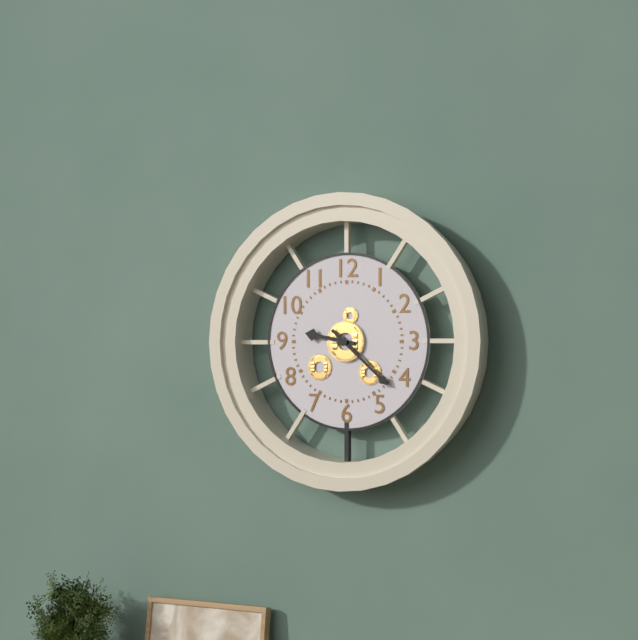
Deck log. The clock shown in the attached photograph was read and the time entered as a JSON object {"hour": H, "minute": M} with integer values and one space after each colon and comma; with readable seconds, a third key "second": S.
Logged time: {"hour": 9, "minute": 22}
